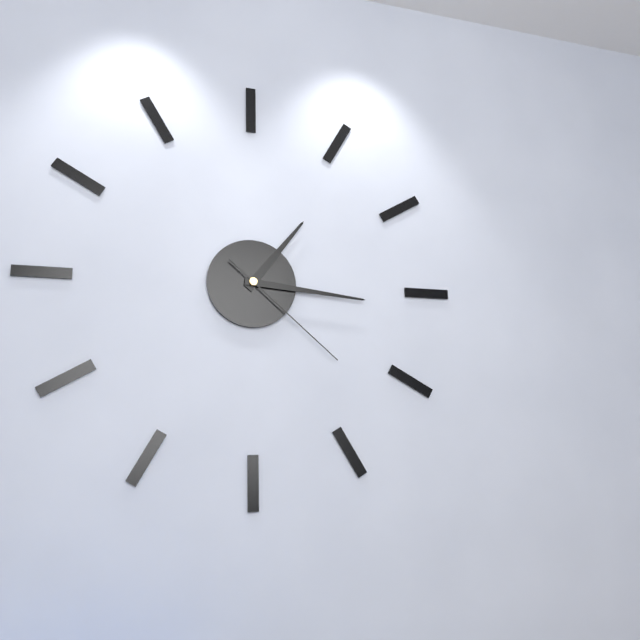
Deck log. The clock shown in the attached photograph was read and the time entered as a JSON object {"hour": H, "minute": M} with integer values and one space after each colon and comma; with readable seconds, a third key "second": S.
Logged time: {"hour": 1, "minute": 16, "second": 22}
